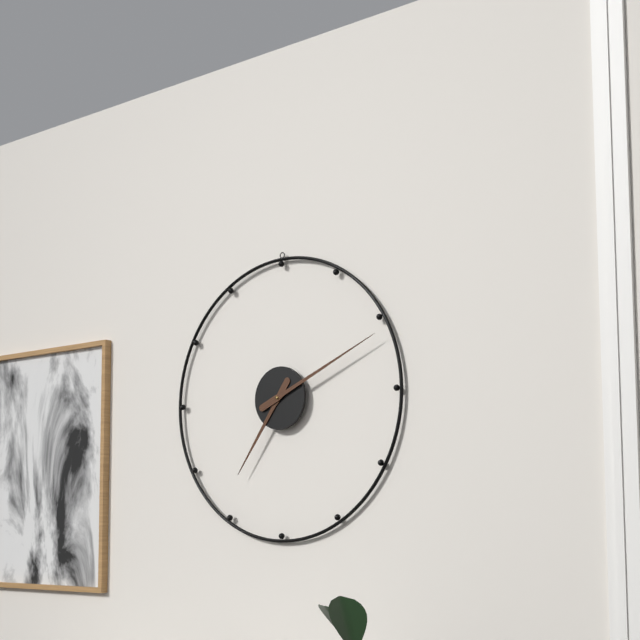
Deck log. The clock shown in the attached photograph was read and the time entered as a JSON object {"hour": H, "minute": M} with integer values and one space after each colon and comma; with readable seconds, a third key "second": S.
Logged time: {"hour": 7, "minute": 11}
